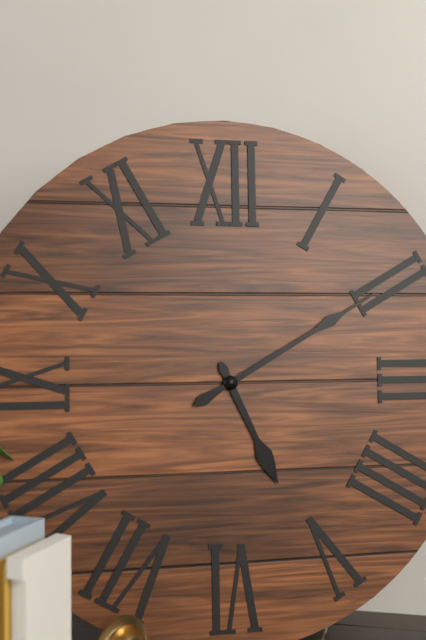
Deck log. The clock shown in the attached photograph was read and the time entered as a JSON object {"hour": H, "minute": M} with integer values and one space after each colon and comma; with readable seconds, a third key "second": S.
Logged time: {"hour": 5, "minute": 10}
